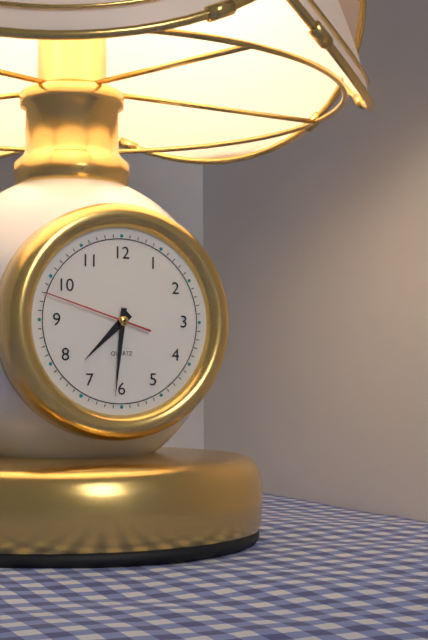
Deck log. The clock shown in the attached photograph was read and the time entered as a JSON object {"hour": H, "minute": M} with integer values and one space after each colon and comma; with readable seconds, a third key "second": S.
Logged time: {"hour": 7, "minute": 31, "second": 48}
